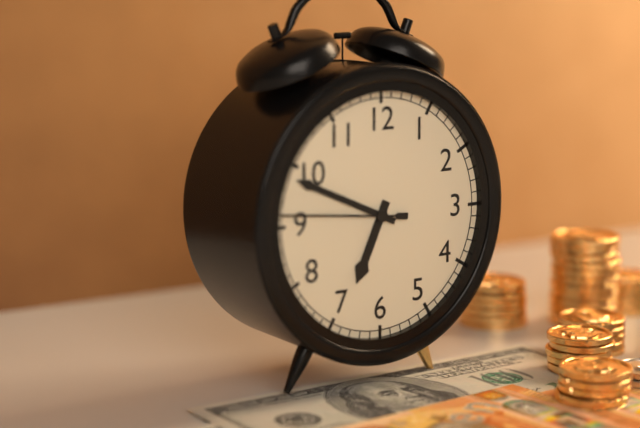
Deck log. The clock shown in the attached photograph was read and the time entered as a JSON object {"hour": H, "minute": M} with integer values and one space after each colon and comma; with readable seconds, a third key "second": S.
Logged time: {"hour": 6, "minute": 49, "second": 46}
